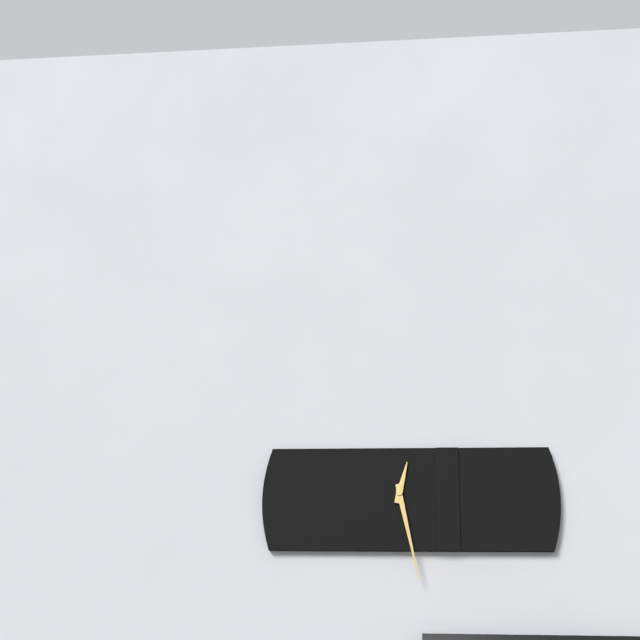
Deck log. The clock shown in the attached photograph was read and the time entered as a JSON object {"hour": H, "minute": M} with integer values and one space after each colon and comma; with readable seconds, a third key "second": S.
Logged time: {"hour": 12, "minute": 28}
